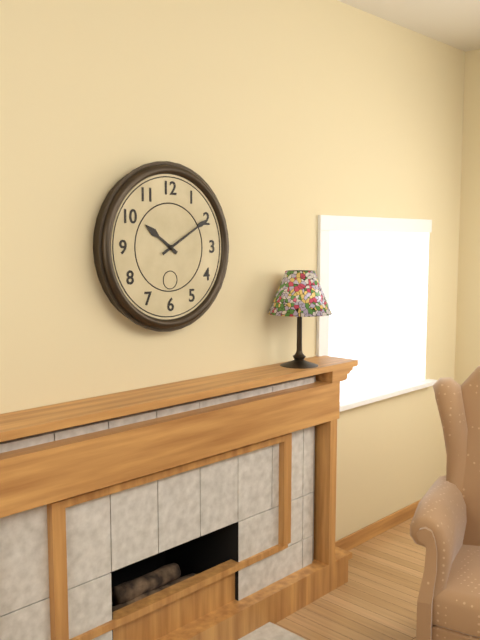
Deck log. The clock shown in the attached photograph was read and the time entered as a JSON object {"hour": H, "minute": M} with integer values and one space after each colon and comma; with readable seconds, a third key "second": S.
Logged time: {"hour": 10, "minute": 10}
